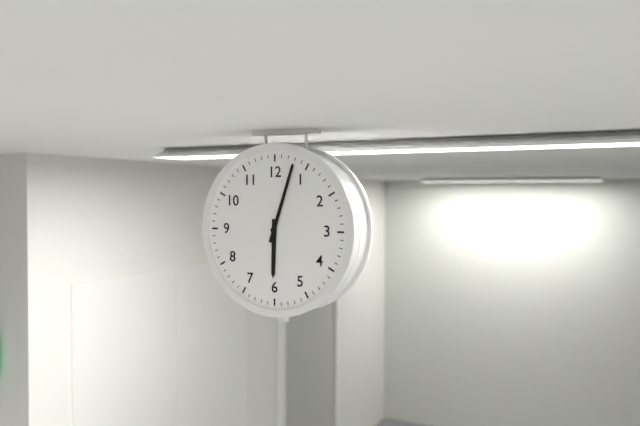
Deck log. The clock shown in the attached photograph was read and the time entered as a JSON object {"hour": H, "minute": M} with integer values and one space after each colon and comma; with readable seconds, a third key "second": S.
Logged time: {"hour": 6, "minute": 3}
